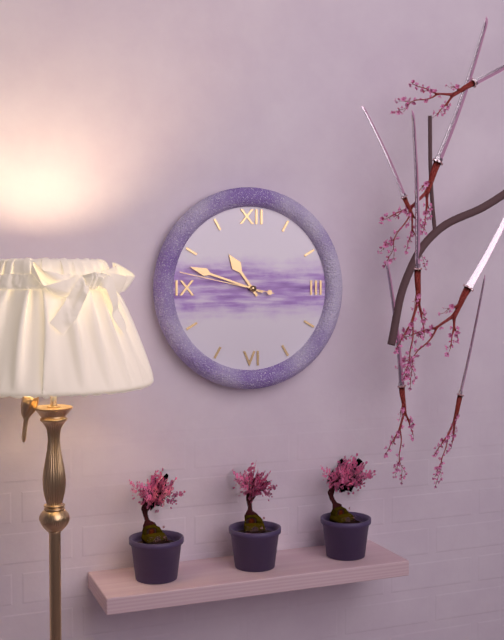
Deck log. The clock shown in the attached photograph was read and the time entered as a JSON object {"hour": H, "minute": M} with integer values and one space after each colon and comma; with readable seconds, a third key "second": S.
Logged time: {"hour": 10, "minute": 48, "second": 47}
